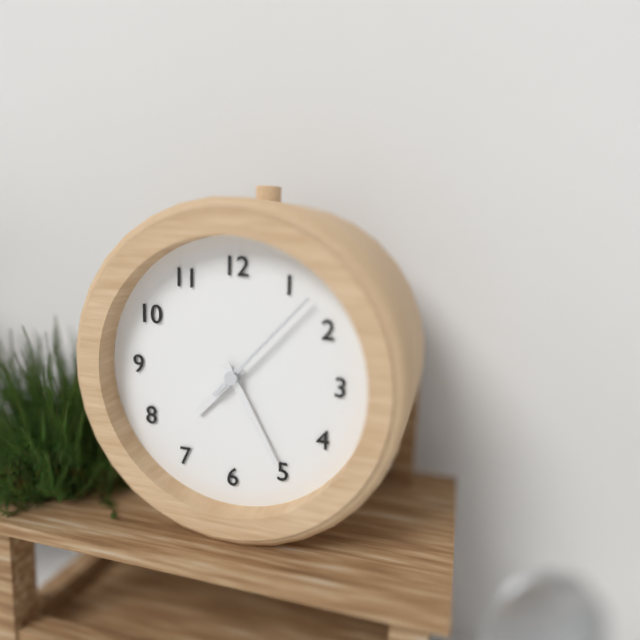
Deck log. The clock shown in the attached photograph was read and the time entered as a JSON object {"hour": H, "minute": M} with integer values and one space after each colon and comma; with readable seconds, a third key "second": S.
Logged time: {"hour": 7, "minute": 25, "second": 7}
